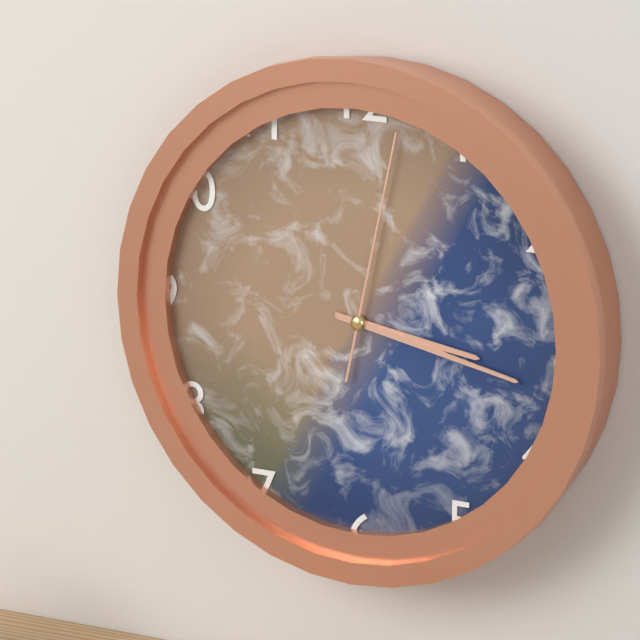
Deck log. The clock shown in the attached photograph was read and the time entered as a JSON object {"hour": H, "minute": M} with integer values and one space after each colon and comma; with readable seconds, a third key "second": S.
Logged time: {"hour": 3, "minute": 17, "second": 2}
